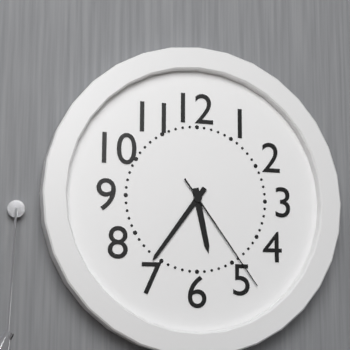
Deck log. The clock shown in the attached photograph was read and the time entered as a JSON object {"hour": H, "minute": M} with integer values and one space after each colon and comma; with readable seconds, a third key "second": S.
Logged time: {"hour": 5, "minute": 36, "second": 24}
